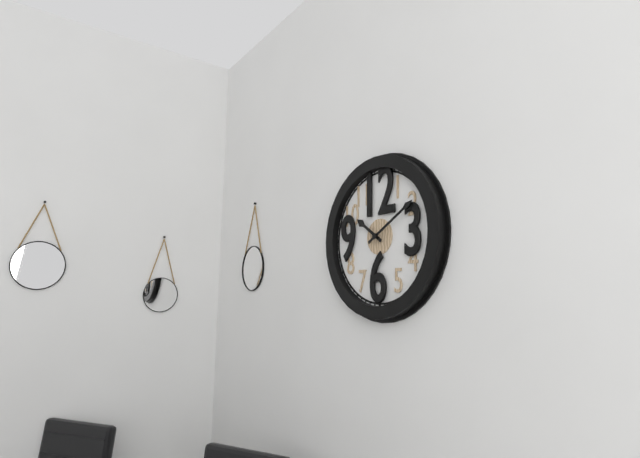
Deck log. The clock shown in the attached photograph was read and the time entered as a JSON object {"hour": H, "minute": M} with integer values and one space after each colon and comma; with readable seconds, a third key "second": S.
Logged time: {"hour": 10, "minute": 10}
